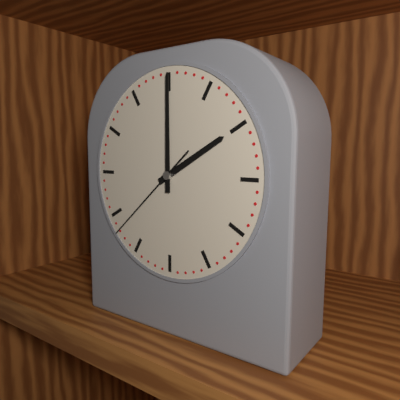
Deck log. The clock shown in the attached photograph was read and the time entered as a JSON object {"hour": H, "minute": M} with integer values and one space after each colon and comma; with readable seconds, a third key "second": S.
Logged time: {"hour": 2, "minute": 0, "second": 38}
